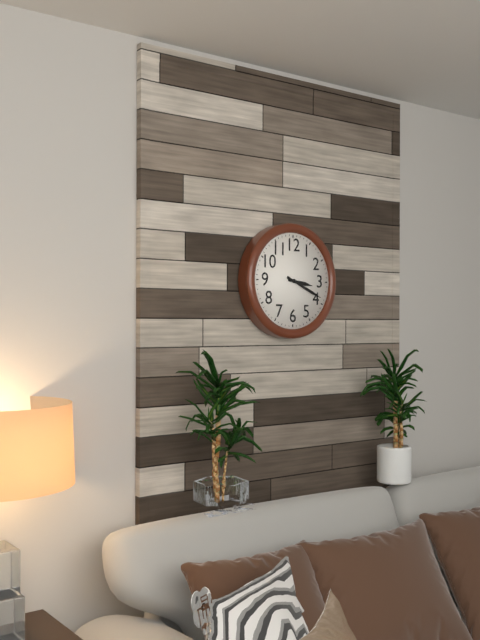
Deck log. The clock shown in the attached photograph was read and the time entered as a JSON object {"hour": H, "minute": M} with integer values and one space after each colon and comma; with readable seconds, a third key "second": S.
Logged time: {"hour": 3, "minute": 19}
